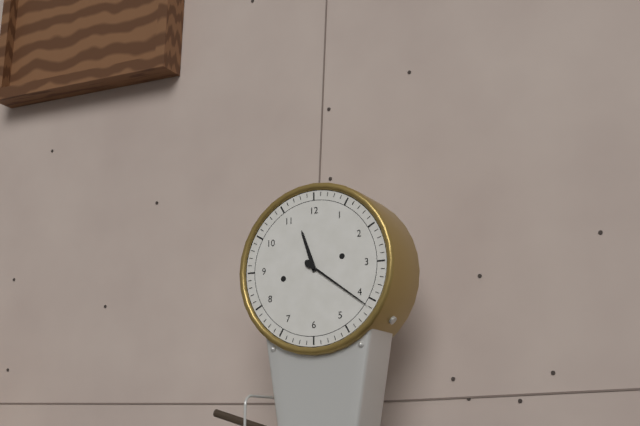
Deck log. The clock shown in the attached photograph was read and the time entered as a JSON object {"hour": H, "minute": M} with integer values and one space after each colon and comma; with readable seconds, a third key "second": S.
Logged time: {"hour": 11, "minute": 21}
